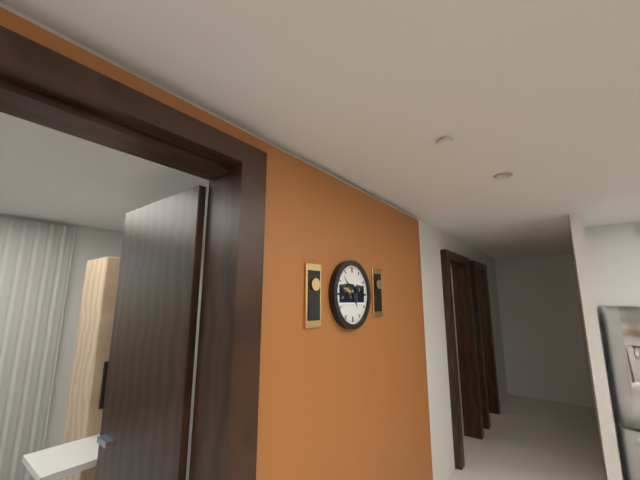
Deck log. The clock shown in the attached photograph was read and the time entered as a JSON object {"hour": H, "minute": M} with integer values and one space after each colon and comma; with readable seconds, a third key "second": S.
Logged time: {"hour": 4, "minute": 53}
